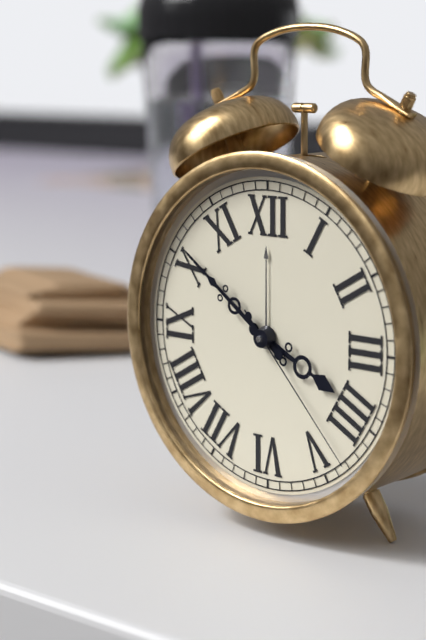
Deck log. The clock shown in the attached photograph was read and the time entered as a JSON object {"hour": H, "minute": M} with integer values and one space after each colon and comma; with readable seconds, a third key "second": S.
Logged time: {"hour": 3, "minute": 51, "second": 23}
